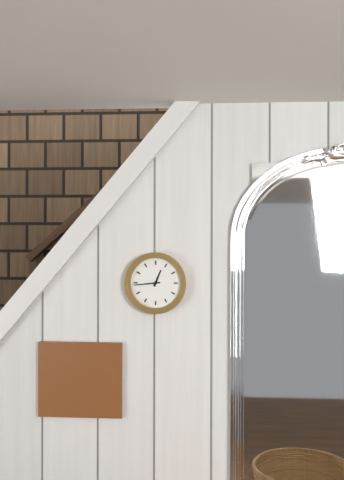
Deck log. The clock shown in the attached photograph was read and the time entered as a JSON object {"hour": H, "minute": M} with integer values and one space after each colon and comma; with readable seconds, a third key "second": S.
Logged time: {"hour": 12, "minute": 44}
